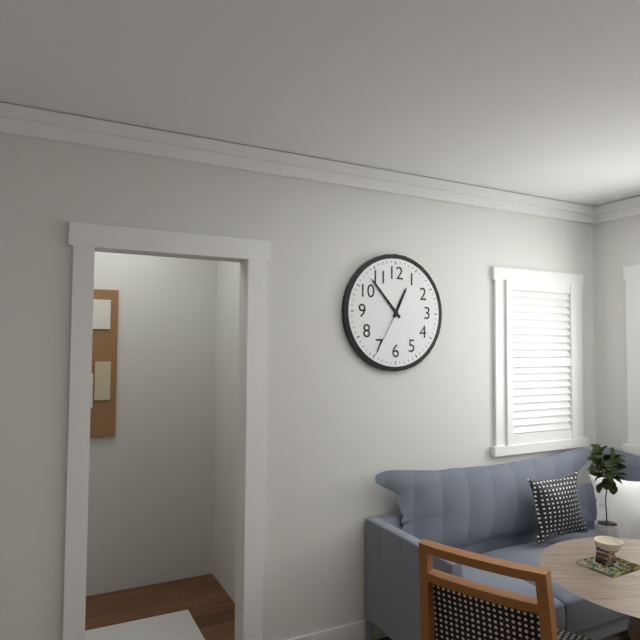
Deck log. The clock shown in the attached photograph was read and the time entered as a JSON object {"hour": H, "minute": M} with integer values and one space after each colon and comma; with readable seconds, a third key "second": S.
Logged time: {"hour": 12, "minute": 53, "second": 35}
